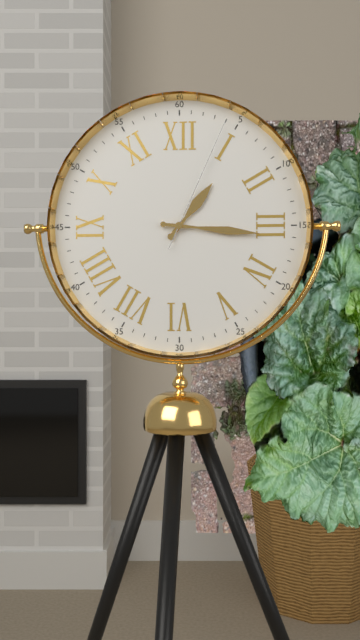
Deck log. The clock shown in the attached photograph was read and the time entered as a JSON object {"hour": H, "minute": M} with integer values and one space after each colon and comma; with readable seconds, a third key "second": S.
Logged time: {"hour": 1, "minute": 16, "second": 4}
